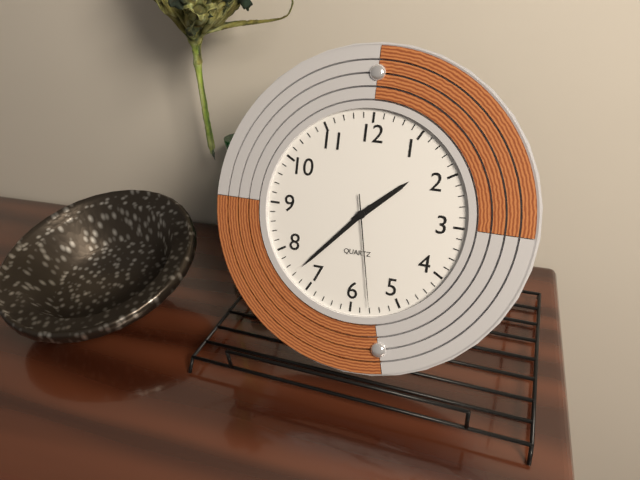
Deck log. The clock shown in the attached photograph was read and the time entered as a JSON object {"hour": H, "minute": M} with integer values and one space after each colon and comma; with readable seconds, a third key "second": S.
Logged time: {"hour": 1, "minute": 37, "second": 28}
